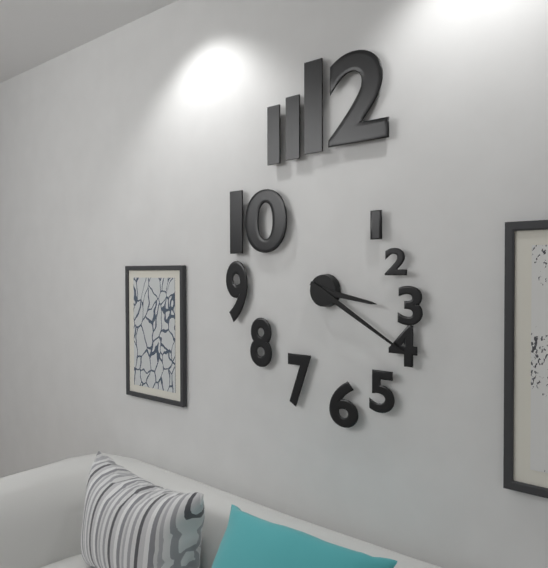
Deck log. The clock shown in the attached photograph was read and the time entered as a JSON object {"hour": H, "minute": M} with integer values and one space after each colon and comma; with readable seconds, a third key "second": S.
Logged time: {"hour": 3, "minute": 20}
